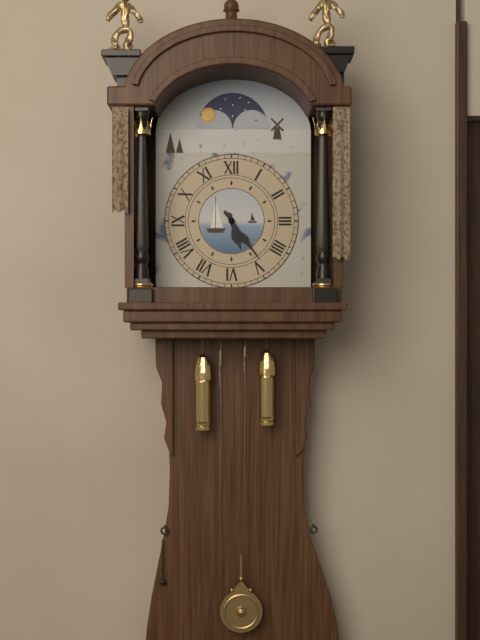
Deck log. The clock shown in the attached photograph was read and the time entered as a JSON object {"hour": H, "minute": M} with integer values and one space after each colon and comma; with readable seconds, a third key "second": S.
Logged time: {"hour": 5, "minute": 24}
